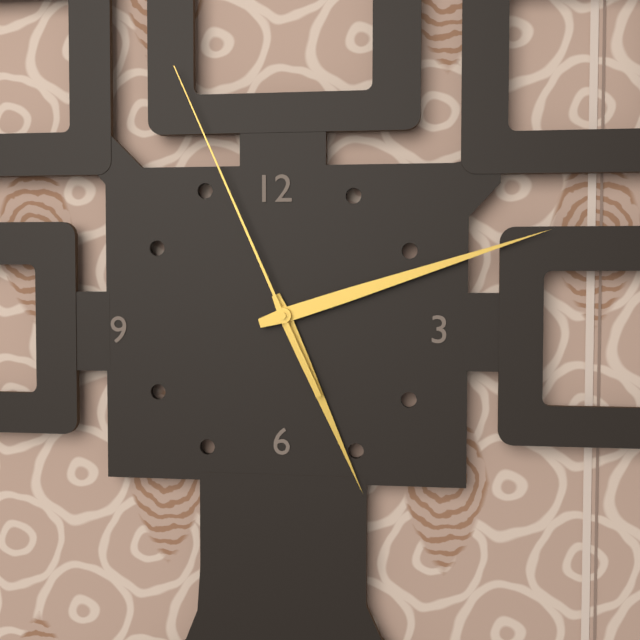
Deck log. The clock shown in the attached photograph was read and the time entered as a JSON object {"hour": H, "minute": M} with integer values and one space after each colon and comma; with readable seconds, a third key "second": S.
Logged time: {"hour": 5, "minute": 12, "second": 56}
